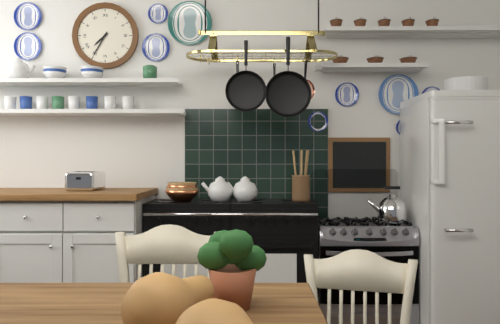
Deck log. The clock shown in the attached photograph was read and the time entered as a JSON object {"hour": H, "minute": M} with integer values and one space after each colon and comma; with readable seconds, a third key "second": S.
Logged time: {"hour": 7, "minute": 35}
